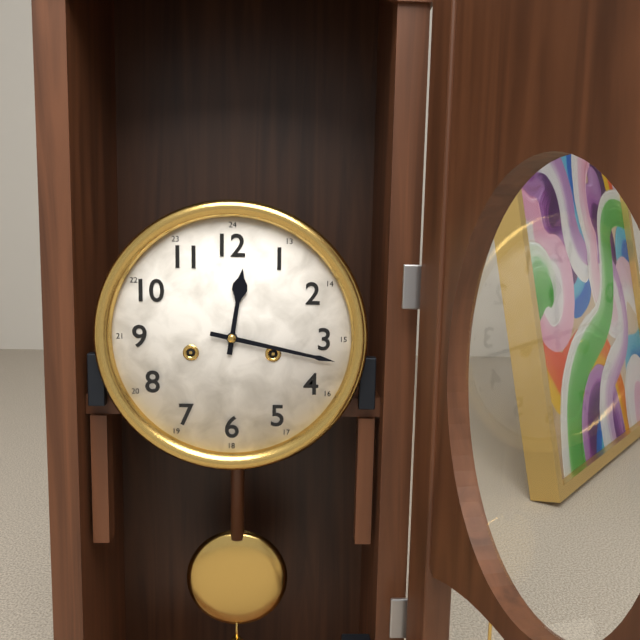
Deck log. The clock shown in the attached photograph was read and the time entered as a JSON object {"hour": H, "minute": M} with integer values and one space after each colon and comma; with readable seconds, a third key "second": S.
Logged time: {"hour": 12, "minute": 17}
